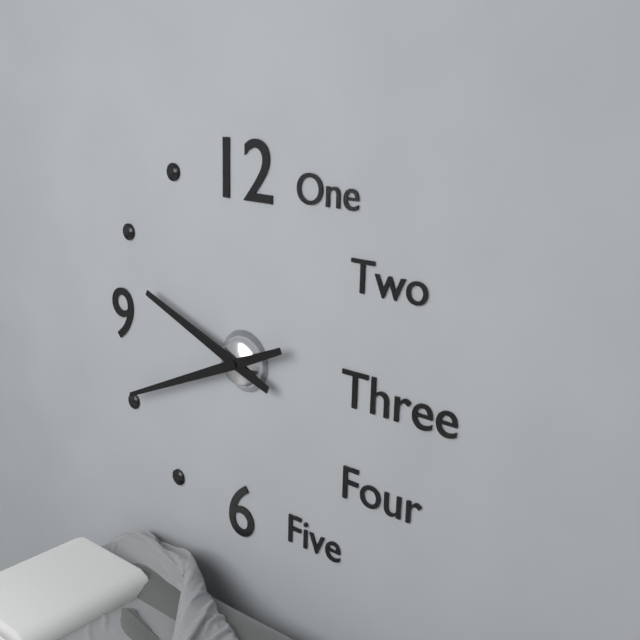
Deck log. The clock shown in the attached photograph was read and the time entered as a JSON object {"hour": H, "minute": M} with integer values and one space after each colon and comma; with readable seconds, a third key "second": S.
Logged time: {"hour": 9, "minute": 41}
